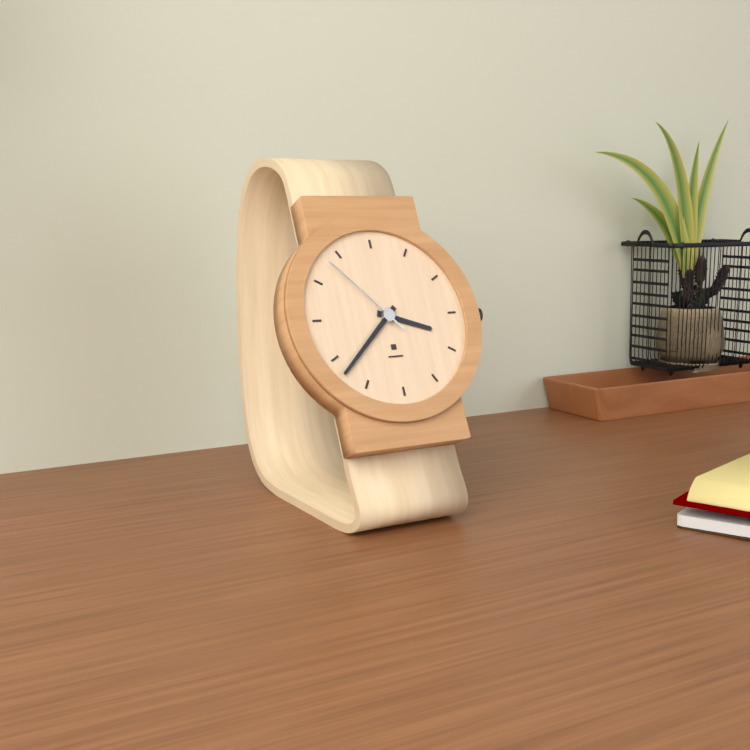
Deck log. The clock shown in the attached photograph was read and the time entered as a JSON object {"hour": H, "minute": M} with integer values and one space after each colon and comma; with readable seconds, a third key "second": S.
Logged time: {"hour": 3, "minute": 38, "second": 53}
